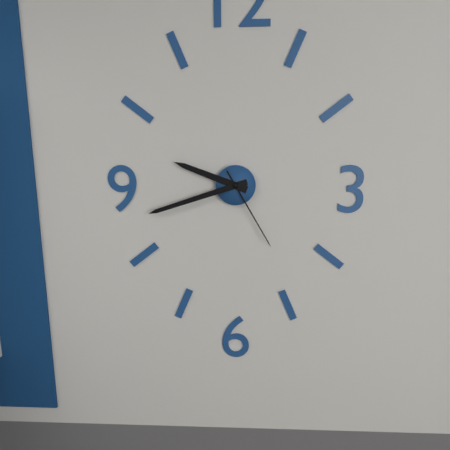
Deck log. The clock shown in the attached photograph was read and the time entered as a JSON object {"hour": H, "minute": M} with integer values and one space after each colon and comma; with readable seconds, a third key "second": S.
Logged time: {"hour": 9, "minute": 42, "second": 25}
